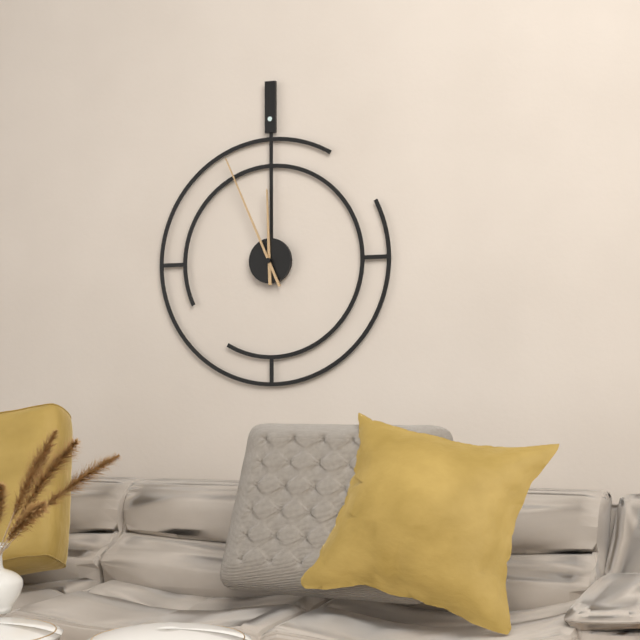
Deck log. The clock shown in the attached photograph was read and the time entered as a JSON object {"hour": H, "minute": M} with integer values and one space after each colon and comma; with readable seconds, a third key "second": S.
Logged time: {"hour": 11, "minute": 56}
